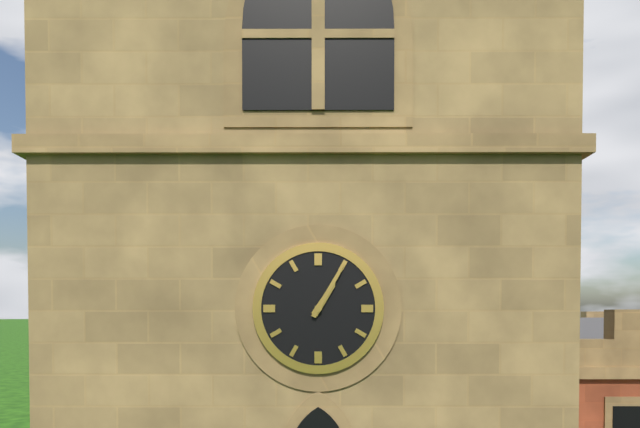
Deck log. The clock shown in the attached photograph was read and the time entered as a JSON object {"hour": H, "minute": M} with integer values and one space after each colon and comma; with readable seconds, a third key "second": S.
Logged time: {"hour": 1, "minute": 5}
